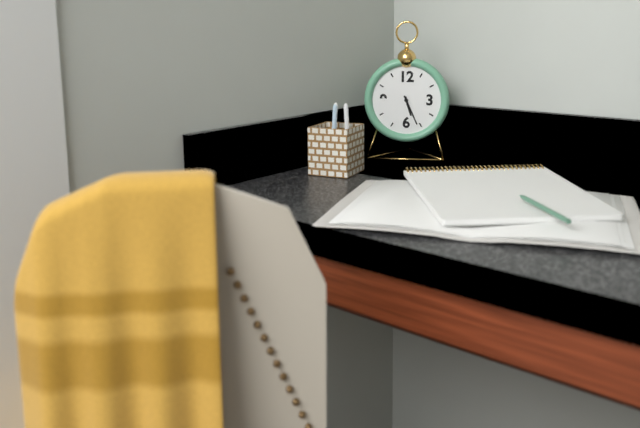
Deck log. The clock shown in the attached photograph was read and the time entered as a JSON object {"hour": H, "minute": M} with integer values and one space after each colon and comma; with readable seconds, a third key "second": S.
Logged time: {"hour": 5, "minute": 26}
